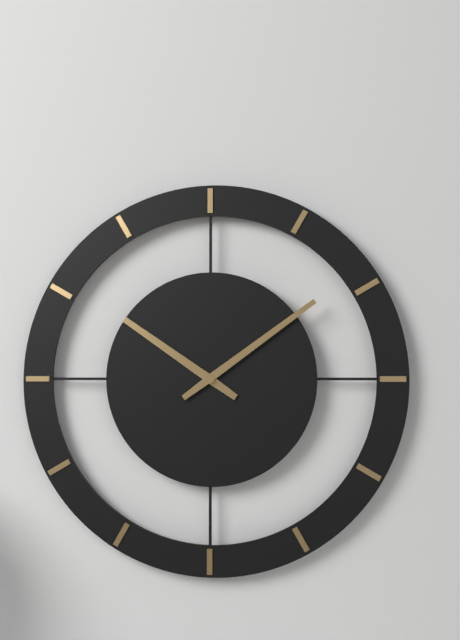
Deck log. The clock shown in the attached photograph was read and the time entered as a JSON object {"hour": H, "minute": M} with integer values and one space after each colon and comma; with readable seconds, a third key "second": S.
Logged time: {"hour": 10, "minute": 9}
